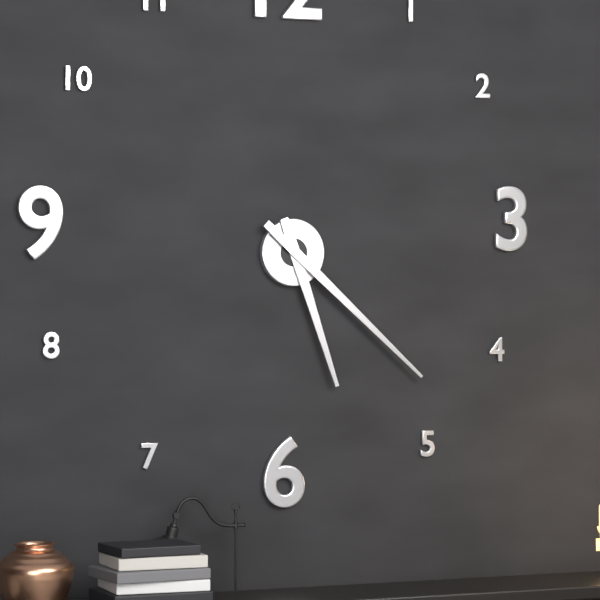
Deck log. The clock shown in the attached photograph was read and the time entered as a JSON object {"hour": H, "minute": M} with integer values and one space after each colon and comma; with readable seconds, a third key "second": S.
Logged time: {"hour": 5, "minute": 22}
